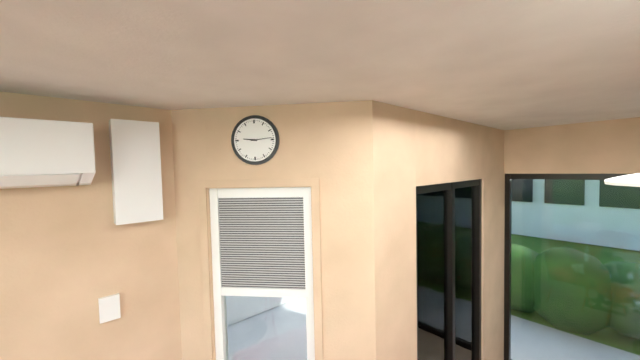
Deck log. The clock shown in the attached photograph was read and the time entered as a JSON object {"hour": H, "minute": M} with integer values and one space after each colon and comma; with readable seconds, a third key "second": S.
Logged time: {"hour": 9, "minute": 14}
